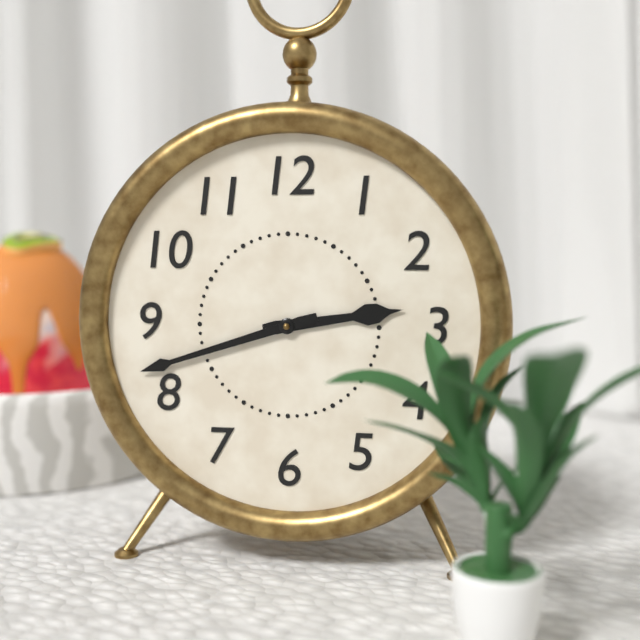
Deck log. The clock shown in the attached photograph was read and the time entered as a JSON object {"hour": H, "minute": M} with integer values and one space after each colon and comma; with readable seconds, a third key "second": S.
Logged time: {"hour": 2, "minute": 42}
